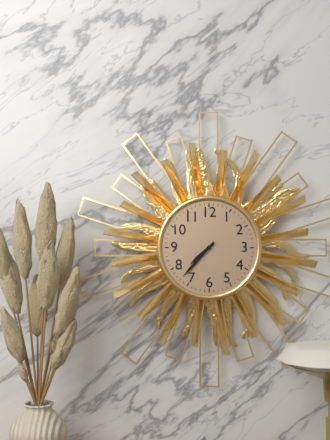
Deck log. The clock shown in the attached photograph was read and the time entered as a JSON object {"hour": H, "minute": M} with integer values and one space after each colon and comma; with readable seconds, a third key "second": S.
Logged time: {"hour": 7, "minute": 37}
